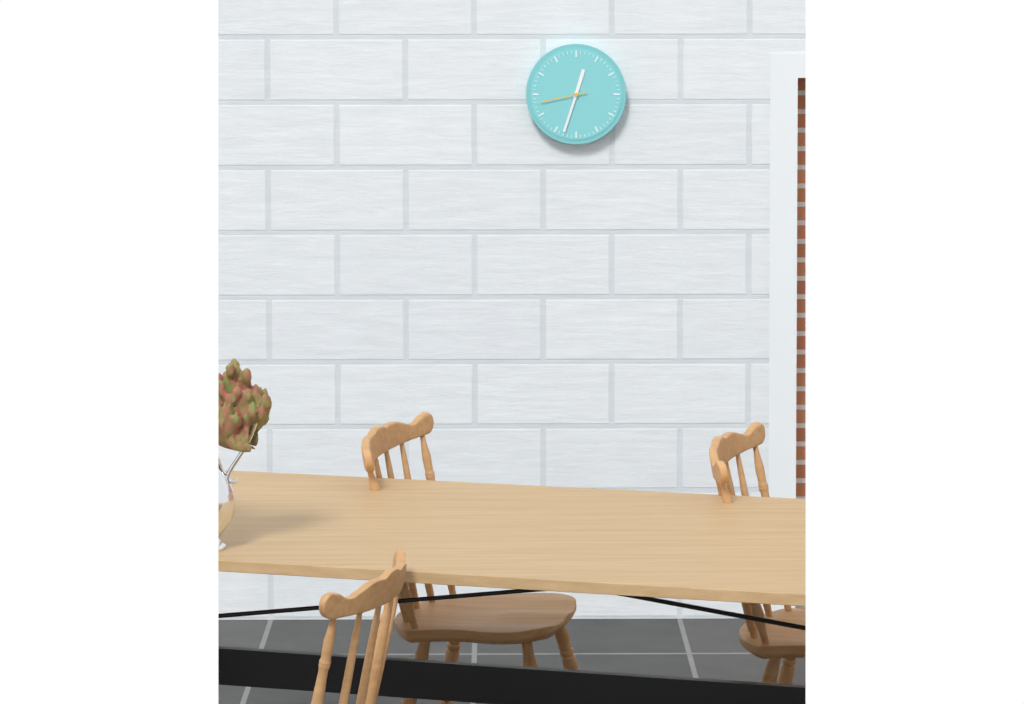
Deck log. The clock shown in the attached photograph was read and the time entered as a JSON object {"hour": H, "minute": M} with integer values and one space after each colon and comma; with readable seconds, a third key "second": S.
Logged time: {"hour": 12, "minute": 33}
